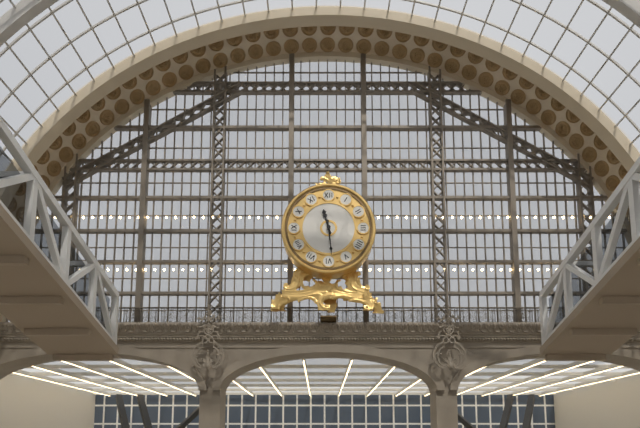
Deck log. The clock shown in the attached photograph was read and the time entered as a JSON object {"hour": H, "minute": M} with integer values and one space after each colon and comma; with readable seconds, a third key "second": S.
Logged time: {"hour": 11, "minute": 29}
